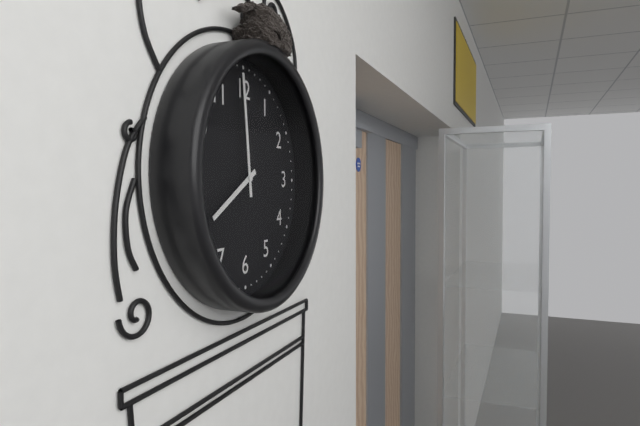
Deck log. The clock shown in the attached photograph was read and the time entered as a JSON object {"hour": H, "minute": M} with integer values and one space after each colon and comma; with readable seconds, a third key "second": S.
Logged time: {"hour": 7, "minute": 59}
